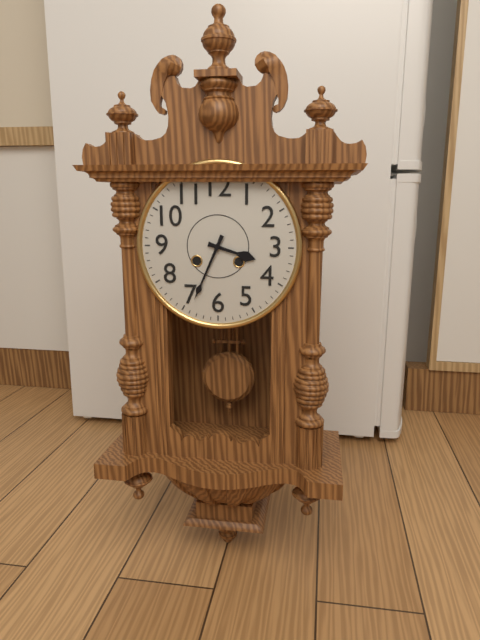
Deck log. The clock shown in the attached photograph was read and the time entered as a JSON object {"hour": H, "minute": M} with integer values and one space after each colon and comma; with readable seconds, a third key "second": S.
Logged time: {"hour": 3, "minute": 34}
